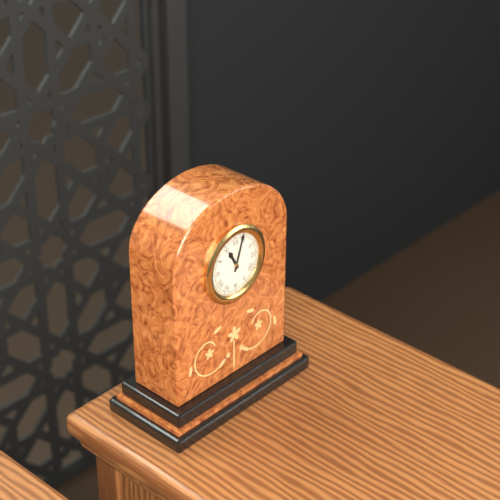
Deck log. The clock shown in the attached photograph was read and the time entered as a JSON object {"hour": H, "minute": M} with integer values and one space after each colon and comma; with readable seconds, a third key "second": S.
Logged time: {"hour": 11, "minute": 3}
